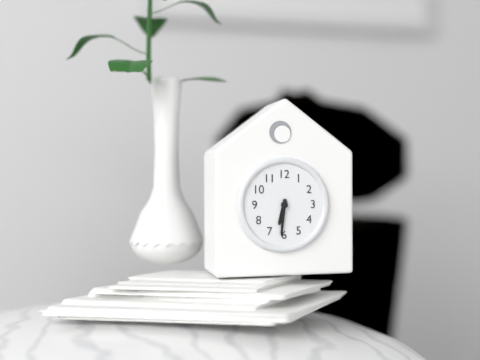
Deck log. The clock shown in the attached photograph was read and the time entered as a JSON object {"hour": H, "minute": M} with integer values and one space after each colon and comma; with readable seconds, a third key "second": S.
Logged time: {"hour": 6, "minute": 31}
